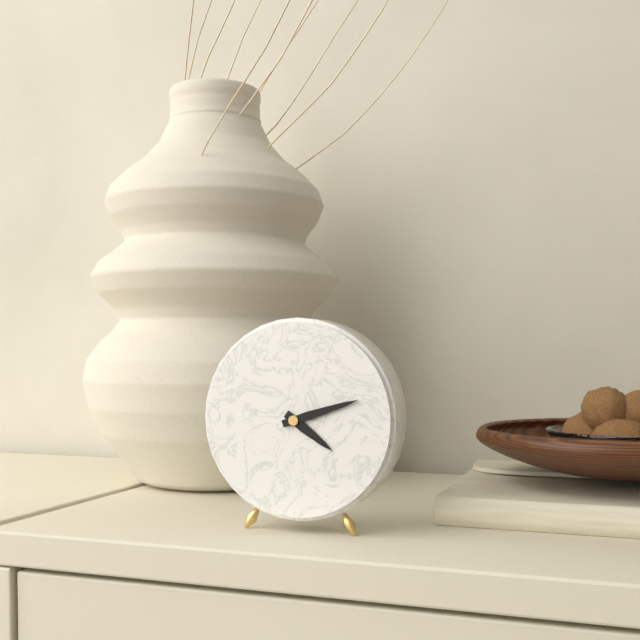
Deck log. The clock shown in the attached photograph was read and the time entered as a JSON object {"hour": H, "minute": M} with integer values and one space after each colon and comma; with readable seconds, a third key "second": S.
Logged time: {"hour": 4, "minute": 12}
